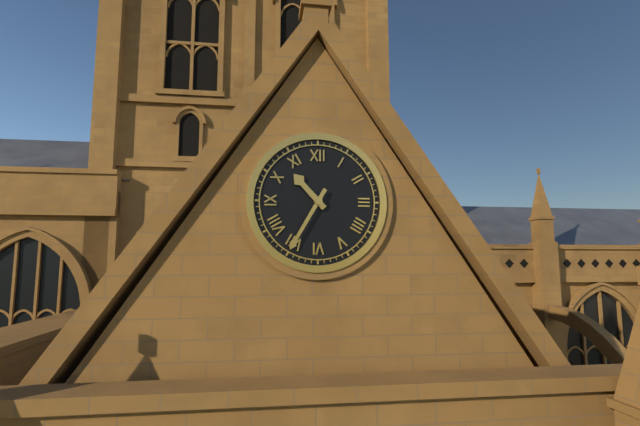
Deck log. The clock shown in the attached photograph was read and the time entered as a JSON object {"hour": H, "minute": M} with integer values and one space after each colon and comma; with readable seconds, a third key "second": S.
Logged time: {"hour": 10, "minute": 35}
